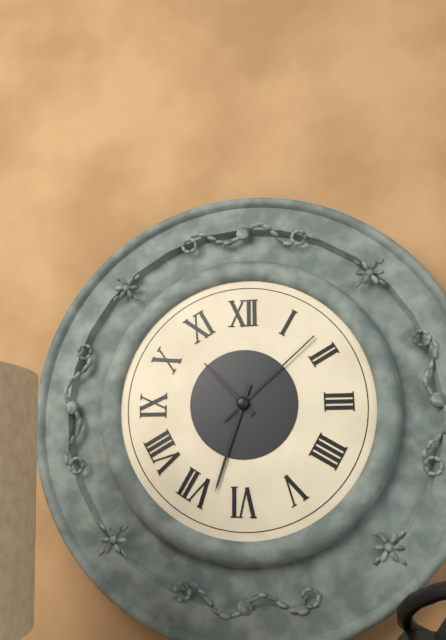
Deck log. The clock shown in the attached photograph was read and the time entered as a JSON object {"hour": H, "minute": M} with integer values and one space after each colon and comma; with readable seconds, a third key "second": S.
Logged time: {"hour": 10, "minute": 33, "second": 8}
